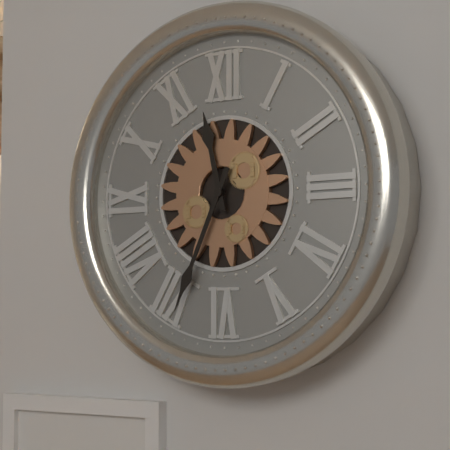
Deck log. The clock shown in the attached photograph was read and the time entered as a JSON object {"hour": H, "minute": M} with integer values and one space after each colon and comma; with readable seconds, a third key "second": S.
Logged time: {"hour": 11, "minute": 34}
